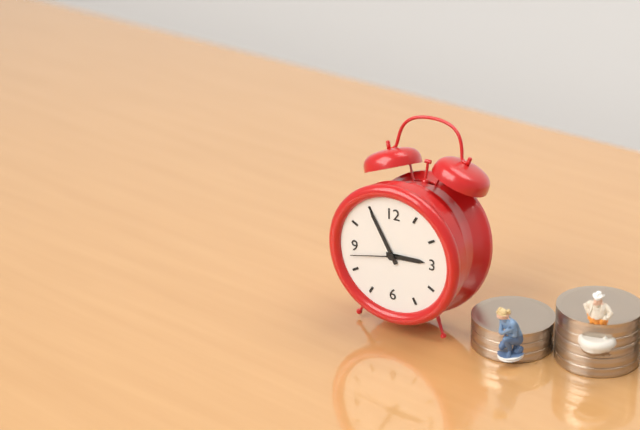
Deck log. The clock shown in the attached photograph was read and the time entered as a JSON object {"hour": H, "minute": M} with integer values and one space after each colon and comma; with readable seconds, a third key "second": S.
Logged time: {"hour": 2, "minute": 55, "second": 43}
